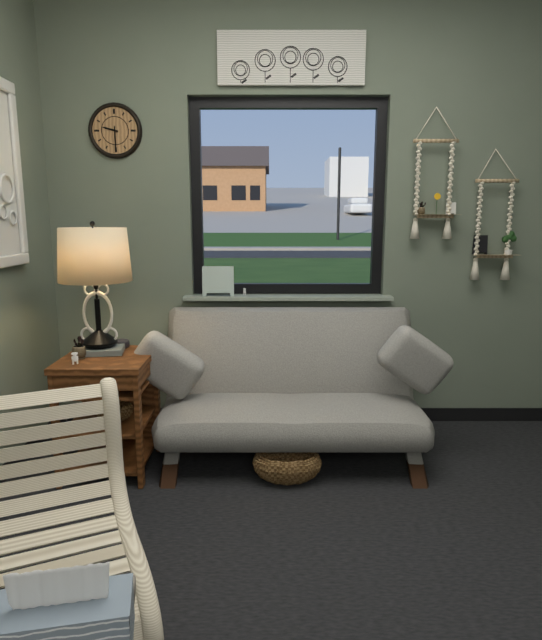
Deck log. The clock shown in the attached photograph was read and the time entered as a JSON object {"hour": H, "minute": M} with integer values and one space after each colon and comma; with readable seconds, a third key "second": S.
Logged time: {"hour": 9, "minute": 30}
